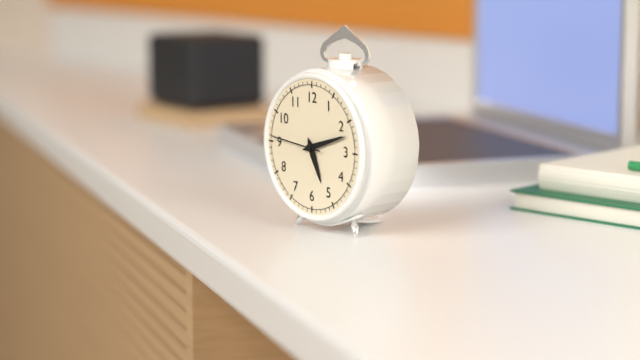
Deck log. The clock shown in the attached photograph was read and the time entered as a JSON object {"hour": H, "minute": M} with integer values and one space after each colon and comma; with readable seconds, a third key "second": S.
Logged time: {"hour": 5, "minute": 12, "second": 46}
